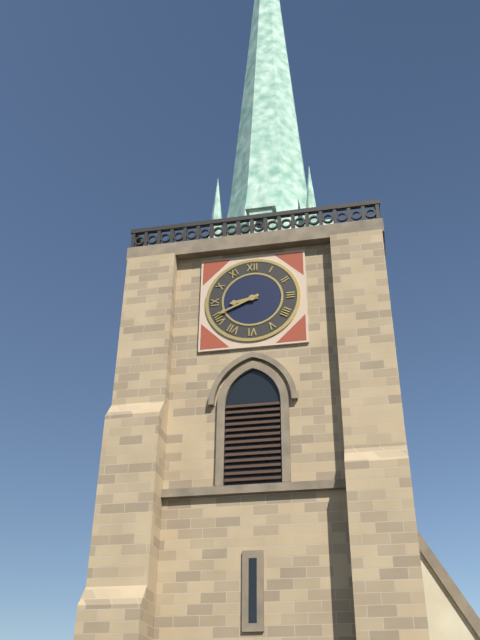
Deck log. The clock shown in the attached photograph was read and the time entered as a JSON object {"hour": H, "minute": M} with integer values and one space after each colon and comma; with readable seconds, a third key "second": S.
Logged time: {"hour": 8, "minute": 41}
